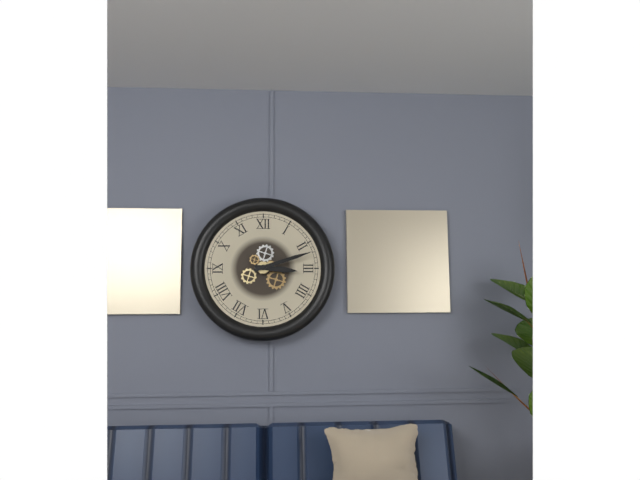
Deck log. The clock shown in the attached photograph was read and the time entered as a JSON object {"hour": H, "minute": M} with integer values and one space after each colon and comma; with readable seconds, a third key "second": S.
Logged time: {"hour": 3, "minute": 12}
